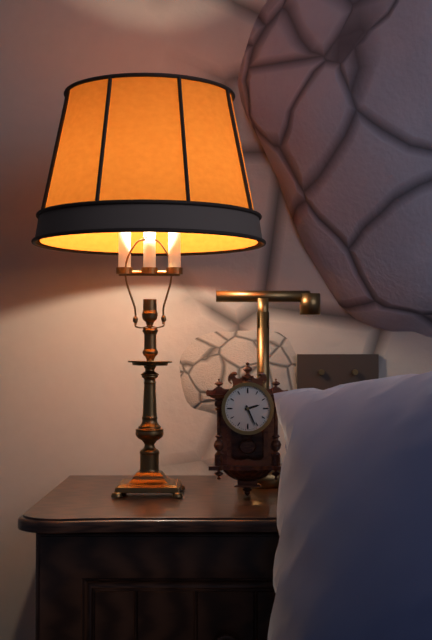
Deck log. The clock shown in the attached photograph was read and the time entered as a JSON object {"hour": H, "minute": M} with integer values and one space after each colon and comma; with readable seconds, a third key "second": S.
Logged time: {"hour": 2, "minute": 26}
